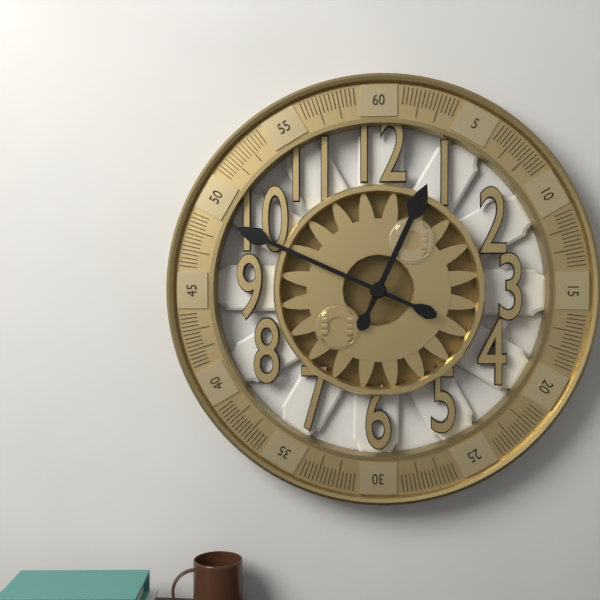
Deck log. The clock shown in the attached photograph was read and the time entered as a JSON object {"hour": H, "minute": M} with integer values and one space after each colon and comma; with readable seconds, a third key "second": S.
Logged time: {"hour": 12, "minute": 49}
